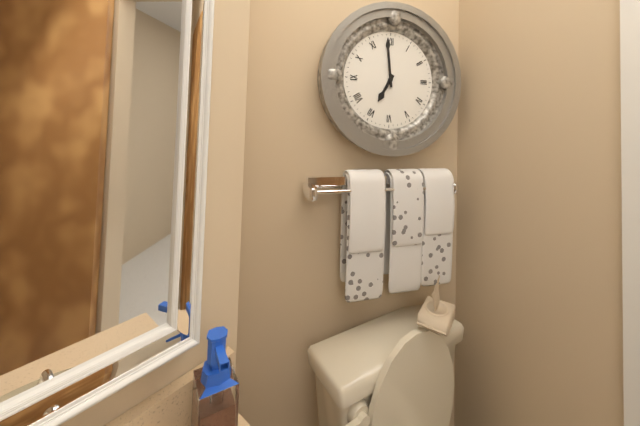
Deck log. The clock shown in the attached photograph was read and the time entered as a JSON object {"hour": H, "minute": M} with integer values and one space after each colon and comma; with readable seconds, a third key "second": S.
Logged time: {"hour": 6, "minute": 59}
